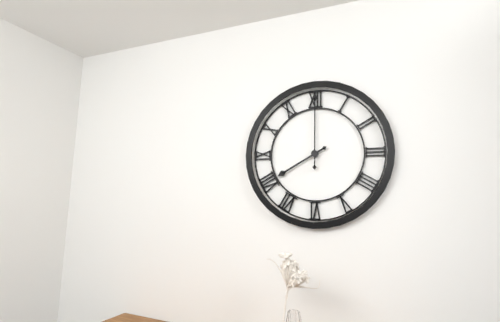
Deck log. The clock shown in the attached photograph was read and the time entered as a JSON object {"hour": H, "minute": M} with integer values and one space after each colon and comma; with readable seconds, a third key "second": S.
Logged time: {"hour": 8, "minute": 0}
